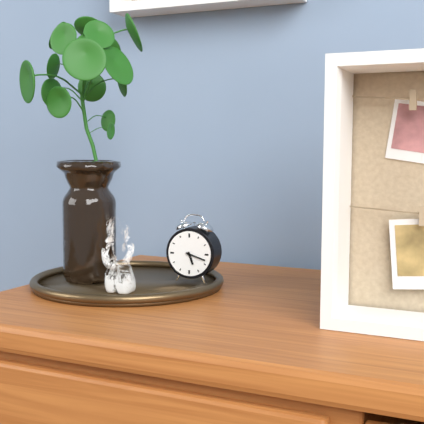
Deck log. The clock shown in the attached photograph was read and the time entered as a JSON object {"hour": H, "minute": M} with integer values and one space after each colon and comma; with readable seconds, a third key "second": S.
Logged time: {"hour": 5, "minute": 18}
